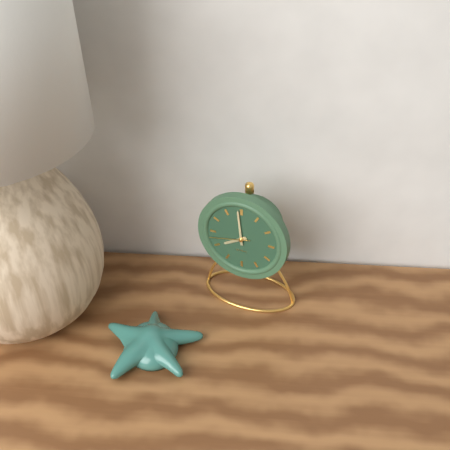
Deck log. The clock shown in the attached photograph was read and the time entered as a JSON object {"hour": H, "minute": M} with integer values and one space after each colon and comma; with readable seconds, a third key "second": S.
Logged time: {"hour": 7, "minute": 59}
